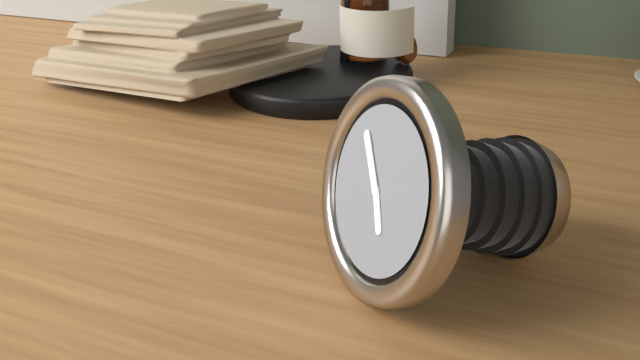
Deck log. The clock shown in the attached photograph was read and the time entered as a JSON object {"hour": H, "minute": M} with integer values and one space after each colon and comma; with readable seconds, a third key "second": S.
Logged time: {"hour": 4, "minute": 53}
